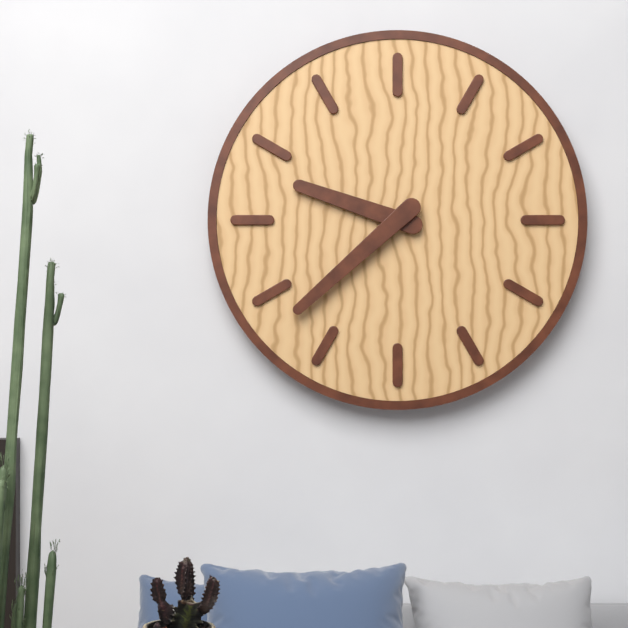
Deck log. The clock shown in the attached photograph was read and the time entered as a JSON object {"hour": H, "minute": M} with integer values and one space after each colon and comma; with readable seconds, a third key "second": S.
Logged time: {"hour": 9, "minute": 38}
